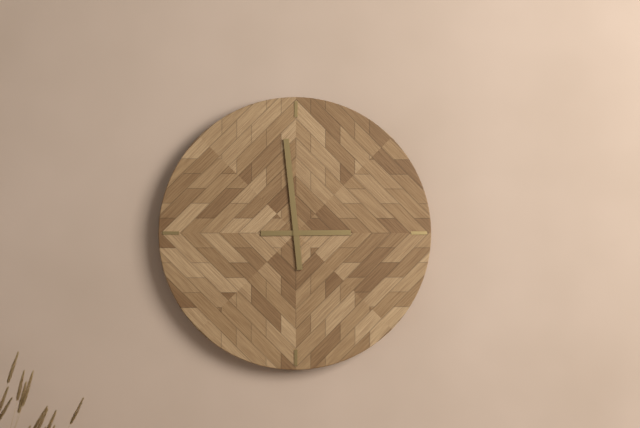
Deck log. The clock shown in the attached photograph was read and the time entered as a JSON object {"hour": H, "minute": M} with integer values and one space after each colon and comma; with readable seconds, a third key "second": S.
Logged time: {"hour": 2, "minute": 59}
